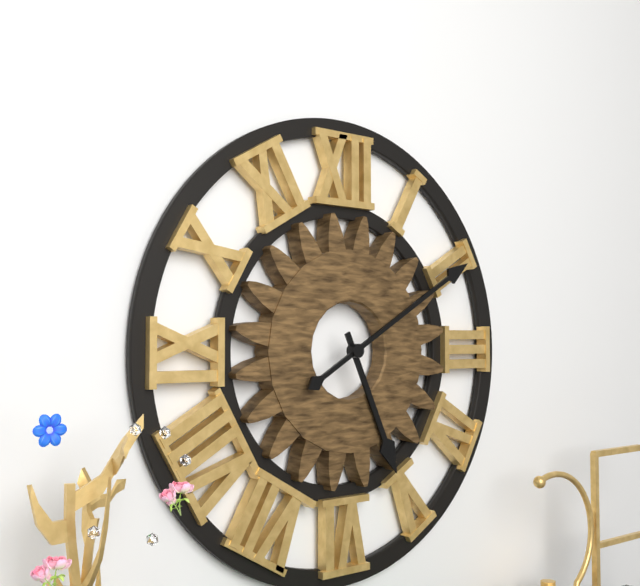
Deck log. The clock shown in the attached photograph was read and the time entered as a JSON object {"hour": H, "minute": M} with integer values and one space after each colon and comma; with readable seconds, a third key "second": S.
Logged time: {"hour": 5, "minute": 10}
